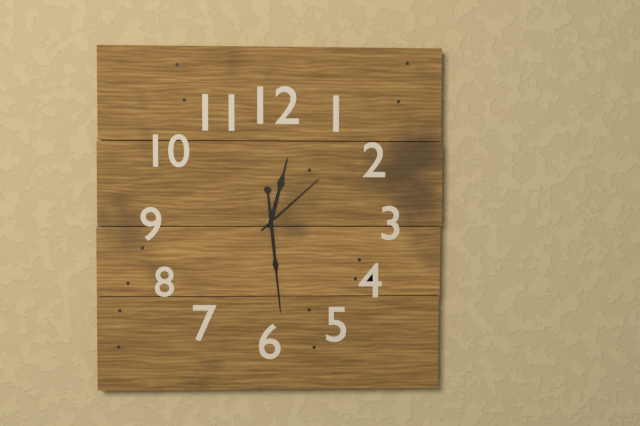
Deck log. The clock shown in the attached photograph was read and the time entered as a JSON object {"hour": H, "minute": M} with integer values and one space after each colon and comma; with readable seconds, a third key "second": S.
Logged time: {"hour": 12, "minute": 29, "second": 8}
